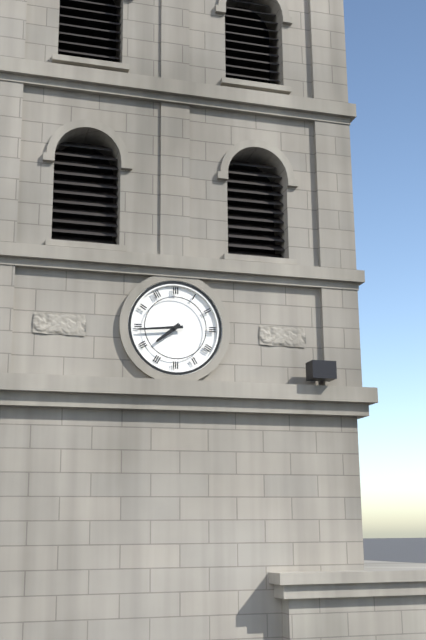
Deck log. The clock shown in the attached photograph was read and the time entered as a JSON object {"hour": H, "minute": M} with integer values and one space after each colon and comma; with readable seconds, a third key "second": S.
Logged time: {"hour": 7, "minute": 44}
